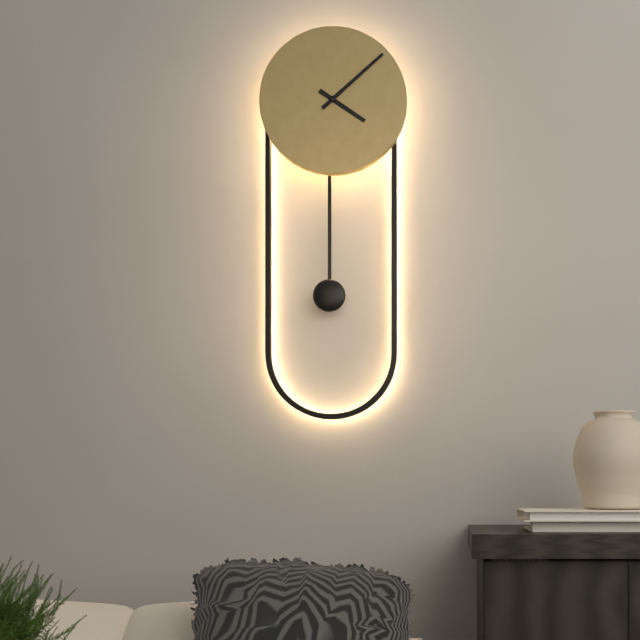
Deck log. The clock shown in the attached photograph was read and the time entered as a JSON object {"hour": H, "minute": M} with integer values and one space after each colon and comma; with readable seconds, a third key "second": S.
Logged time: {"hour": 4, "minute": 8}
